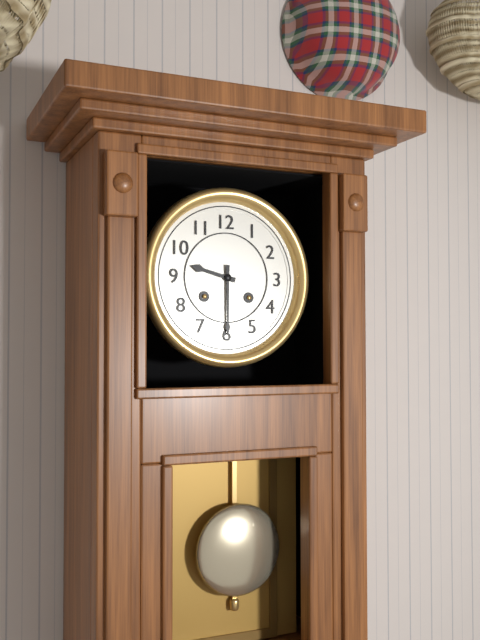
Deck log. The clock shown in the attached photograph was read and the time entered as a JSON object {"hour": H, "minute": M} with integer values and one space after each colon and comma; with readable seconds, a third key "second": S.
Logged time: {"hour": 9, "minute": 30}
